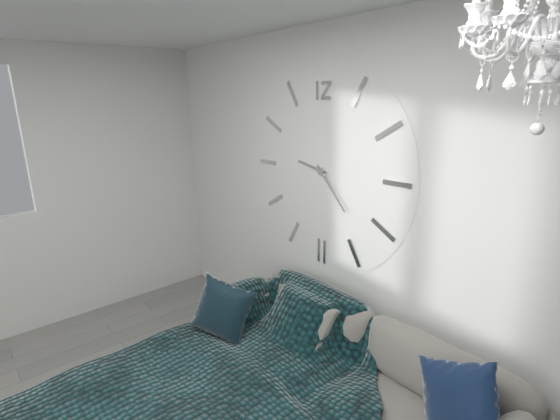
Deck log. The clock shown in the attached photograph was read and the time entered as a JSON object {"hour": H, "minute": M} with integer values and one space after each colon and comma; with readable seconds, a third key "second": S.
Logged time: {"hour": 9, "minute": 23}
